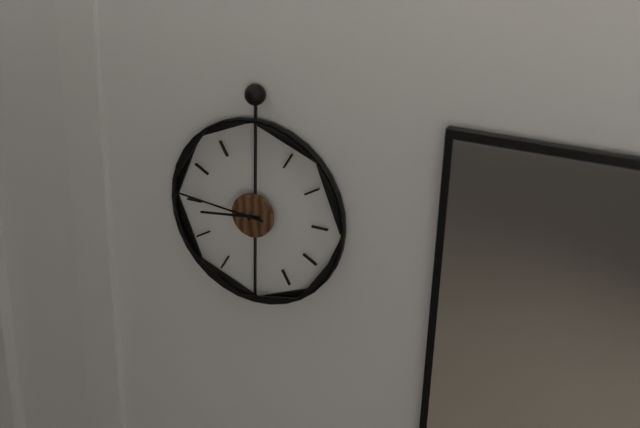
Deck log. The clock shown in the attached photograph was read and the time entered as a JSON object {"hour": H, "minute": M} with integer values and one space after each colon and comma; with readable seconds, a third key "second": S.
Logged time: {"hour": 8, "minute": 46}
